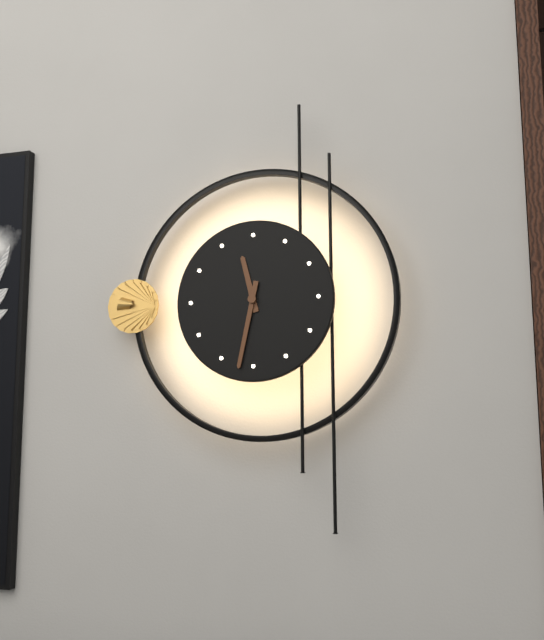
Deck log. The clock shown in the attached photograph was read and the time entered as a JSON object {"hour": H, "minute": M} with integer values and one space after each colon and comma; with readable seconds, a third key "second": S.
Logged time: {"hour": 11, "minute": 32}
